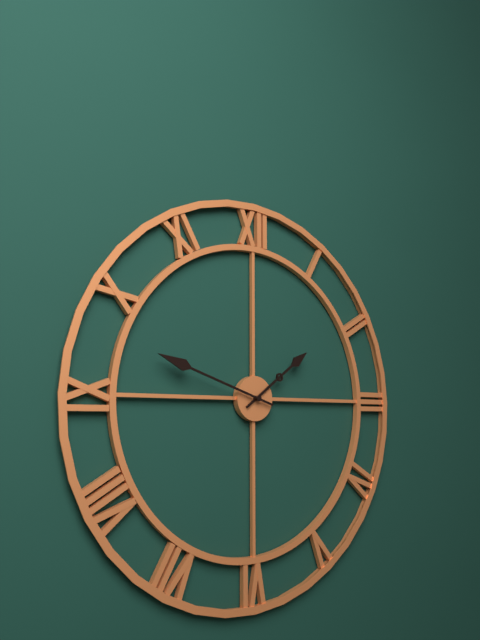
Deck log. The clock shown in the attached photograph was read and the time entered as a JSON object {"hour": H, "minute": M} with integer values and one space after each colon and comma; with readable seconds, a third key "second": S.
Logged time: {"hour": 1, "minute": 48}
